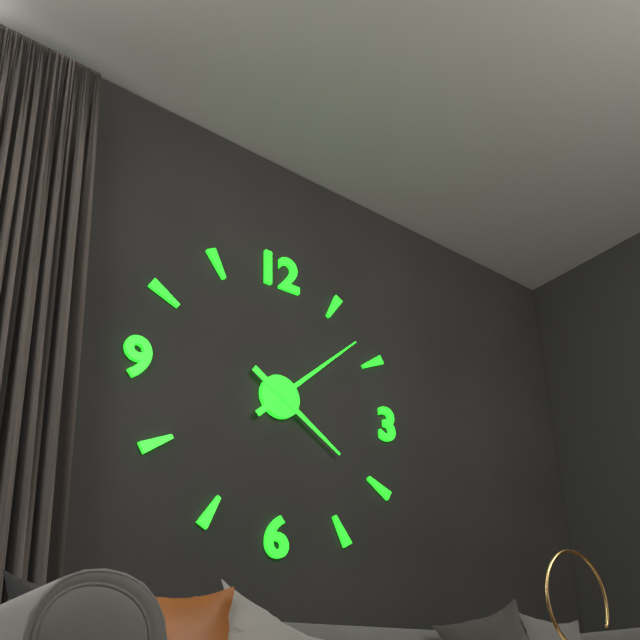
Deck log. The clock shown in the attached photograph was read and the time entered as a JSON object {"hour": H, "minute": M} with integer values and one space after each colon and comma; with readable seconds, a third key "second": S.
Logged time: {"hour": 4, "minute": 8}
